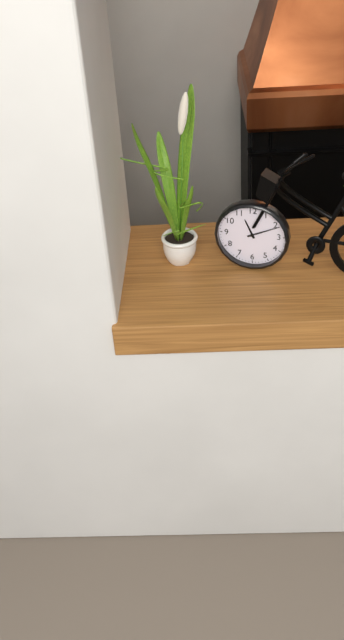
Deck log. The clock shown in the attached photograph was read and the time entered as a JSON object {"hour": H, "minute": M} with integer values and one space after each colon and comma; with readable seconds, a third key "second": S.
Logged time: {"hour": 11, "minute": 11}
